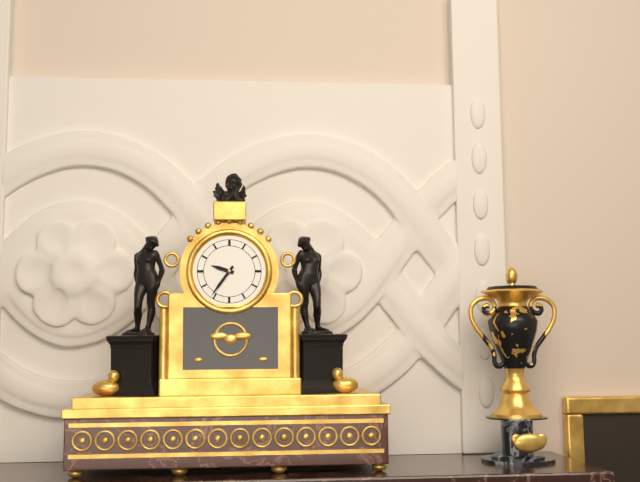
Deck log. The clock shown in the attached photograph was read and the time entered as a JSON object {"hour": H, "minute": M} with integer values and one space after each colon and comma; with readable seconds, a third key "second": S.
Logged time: {"hour": 9, "minute": 36}
